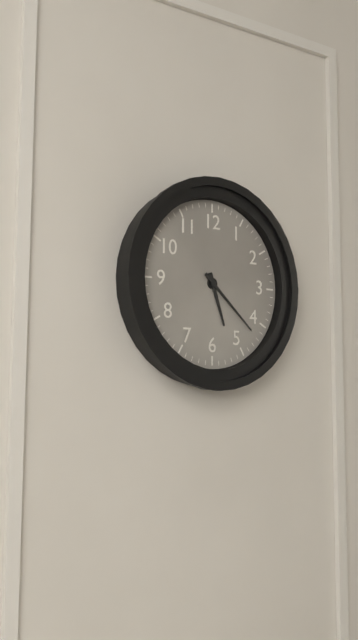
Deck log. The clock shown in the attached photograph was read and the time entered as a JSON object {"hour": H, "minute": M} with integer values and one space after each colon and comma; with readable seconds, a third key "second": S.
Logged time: {"hour": 5, "minute": 22}
